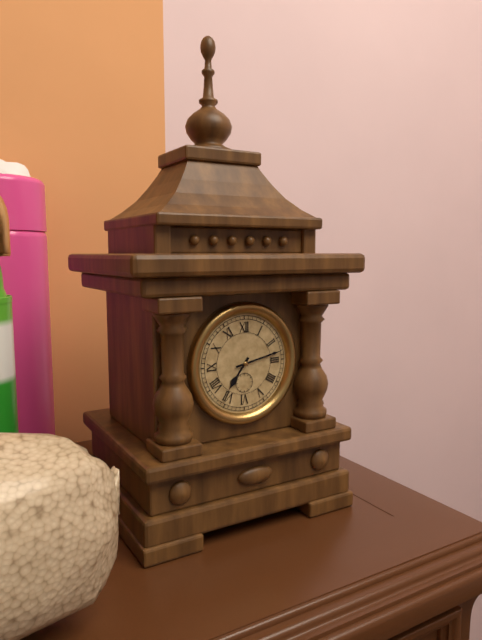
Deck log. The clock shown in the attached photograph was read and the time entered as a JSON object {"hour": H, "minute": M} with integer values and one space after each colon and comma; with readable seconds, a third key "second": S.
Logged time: {"hour": 7, "minute": 13}
